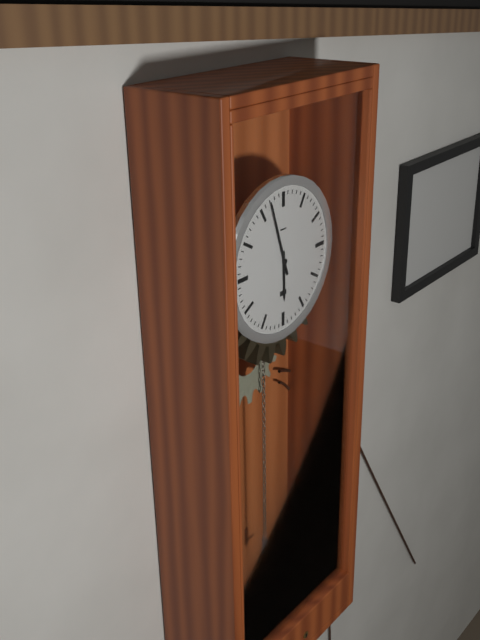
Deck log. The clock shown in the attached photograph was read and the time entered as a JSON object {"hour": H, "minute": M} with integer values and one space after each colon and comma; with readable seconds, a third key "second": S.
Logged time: {"hour": 5, "minute": 57}
